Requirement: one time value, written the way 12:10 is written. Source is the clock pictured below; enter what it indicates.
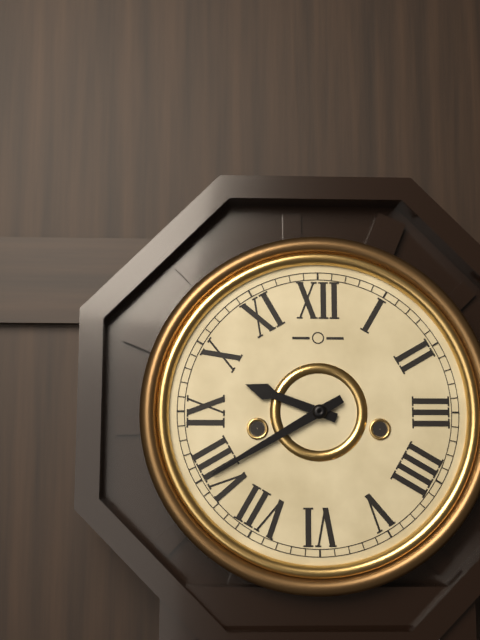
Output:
9:40
